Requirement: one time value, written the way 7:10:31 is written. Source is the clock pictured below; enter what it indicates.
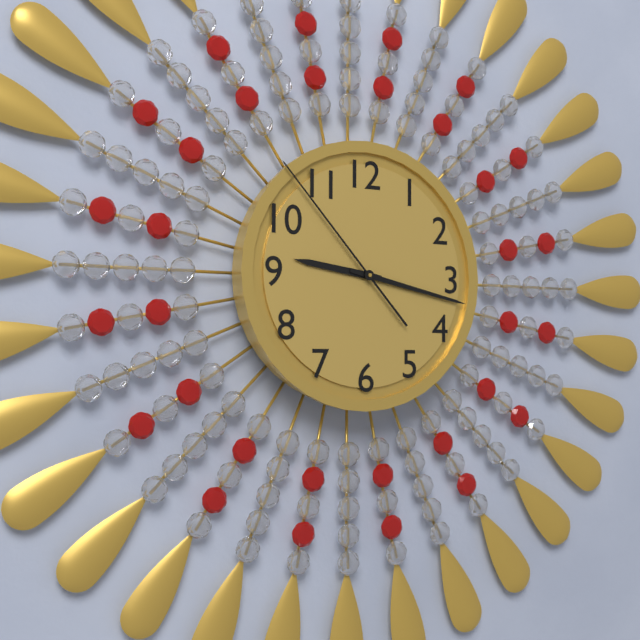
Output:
9:17:53
